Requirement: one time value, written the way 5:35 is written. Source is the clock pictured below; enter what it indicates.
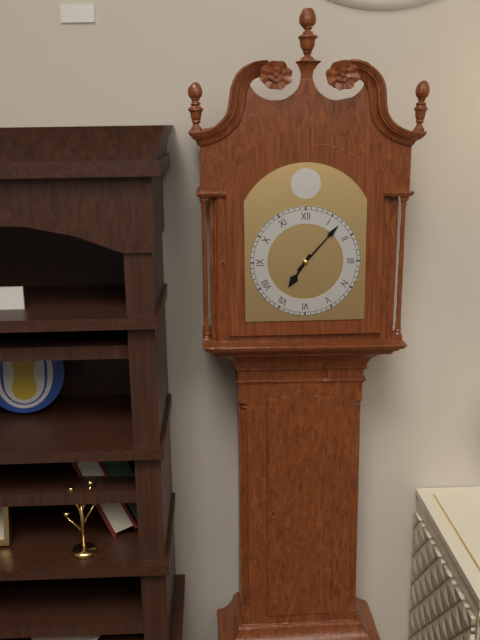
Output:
7:07
